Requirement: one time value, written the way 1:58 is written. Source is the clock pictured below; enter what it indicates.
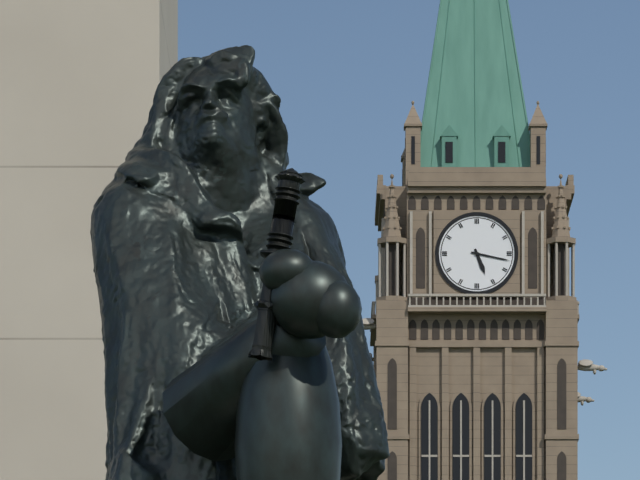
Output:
5:17
